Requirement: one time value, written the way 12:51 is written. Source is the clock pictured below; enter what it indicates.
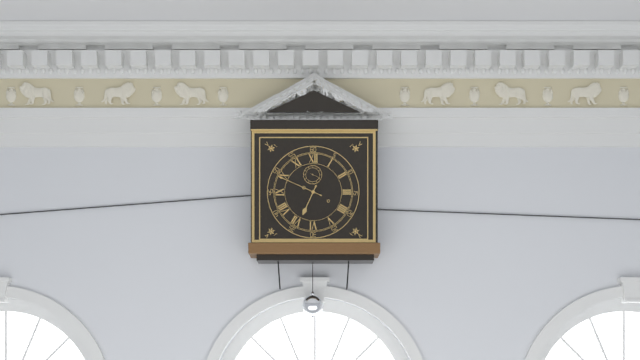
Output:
6:49
